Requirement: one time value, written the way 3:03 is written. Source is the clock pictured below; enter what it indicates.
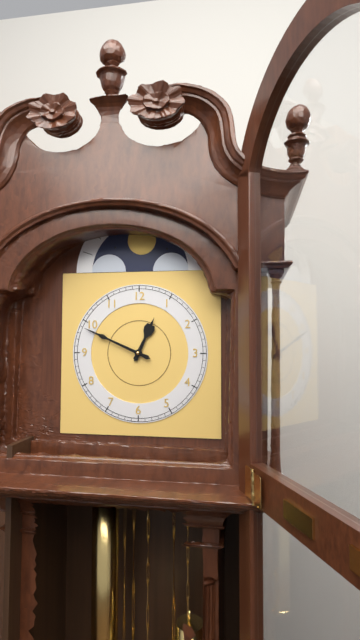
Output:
12:49
